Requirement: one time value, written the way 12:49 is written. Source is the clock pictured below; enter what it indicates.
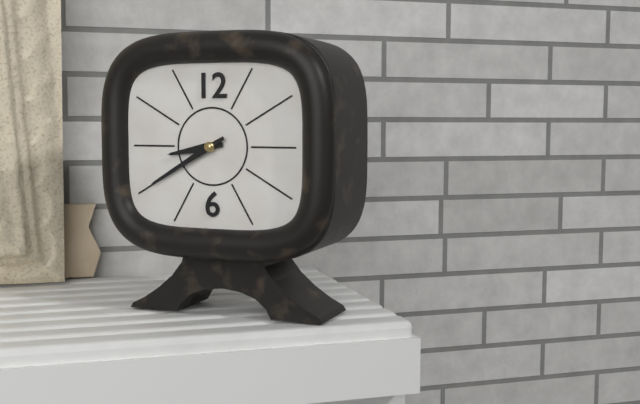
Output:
8:40
